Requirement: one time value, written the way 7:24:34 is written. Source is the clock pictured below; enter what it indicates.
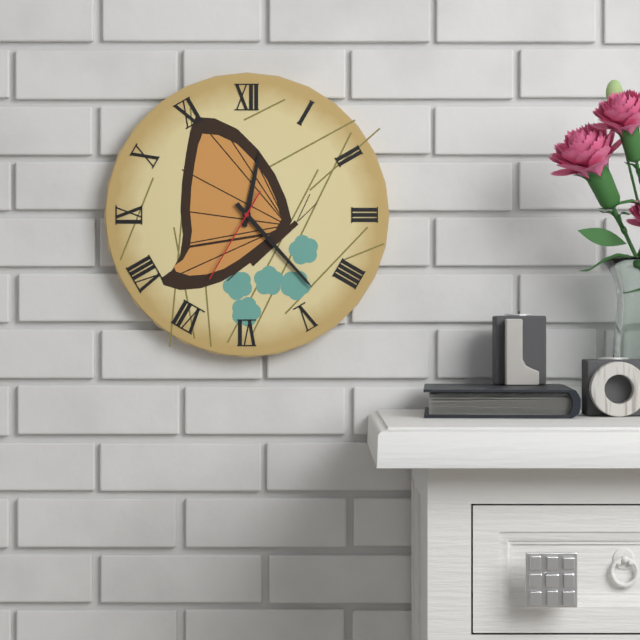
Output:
12:23:35
